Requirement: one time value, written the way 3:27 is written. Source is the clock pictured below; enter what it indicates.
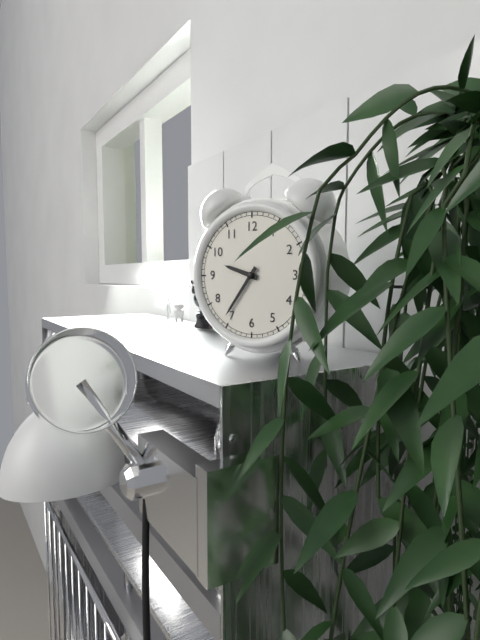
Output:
9:36
